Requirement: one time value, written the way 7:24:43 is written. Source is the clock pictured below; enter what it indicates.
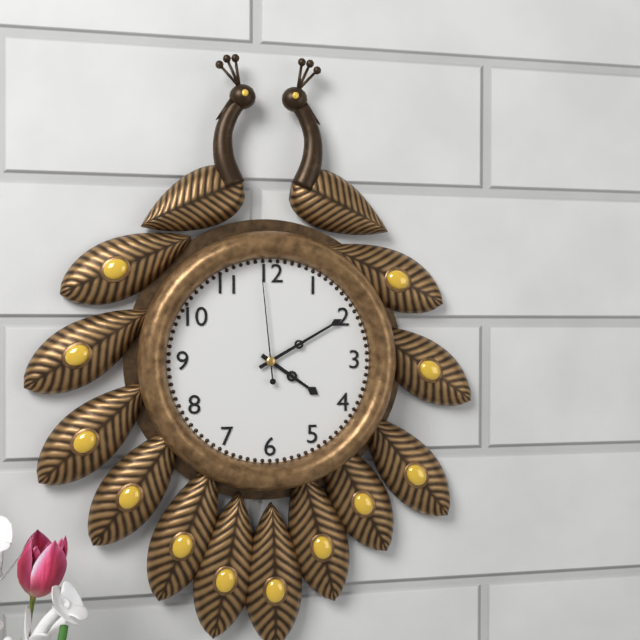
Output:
4:10:59
